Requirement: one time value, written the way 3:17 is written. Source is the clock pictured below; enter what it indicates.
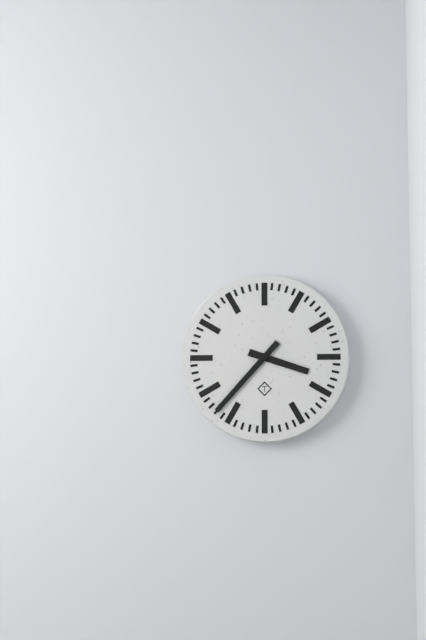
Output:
3:37
